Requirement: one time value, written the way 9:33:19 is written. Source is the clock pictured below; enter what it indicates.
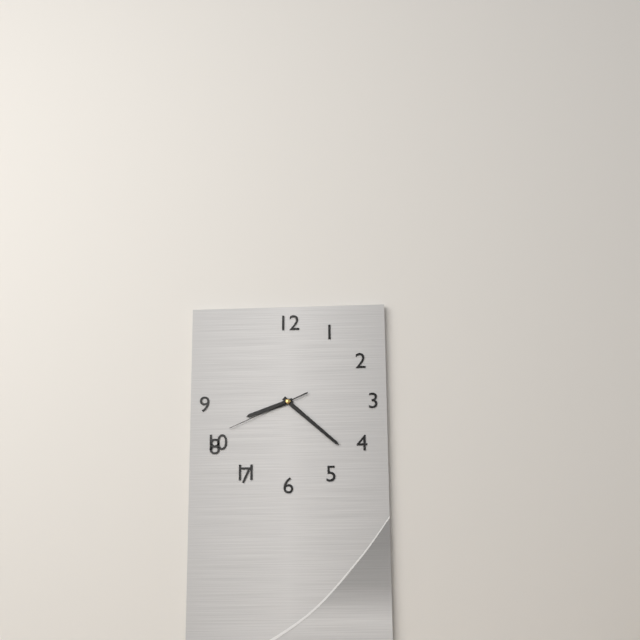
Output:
8:22:41
